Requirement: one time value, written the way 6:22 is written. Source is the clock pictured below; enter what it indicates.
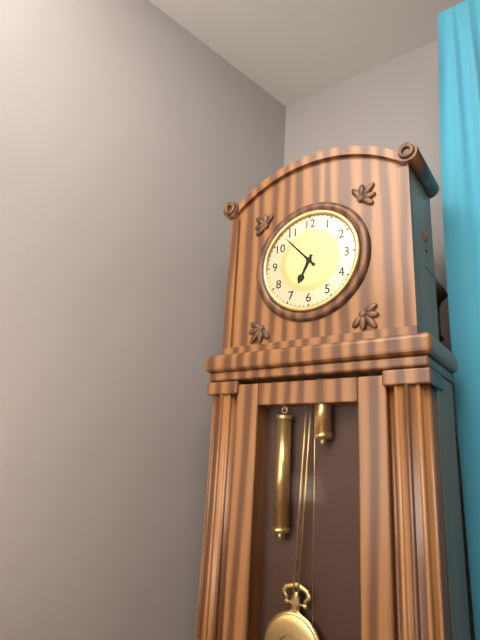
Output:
6:53
